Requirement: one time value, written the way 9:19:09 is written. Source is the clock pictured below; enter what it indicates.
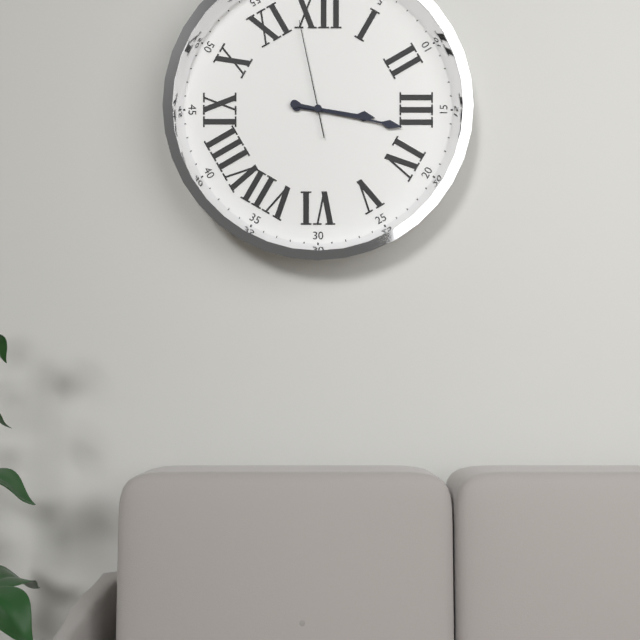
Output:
3:17:58
